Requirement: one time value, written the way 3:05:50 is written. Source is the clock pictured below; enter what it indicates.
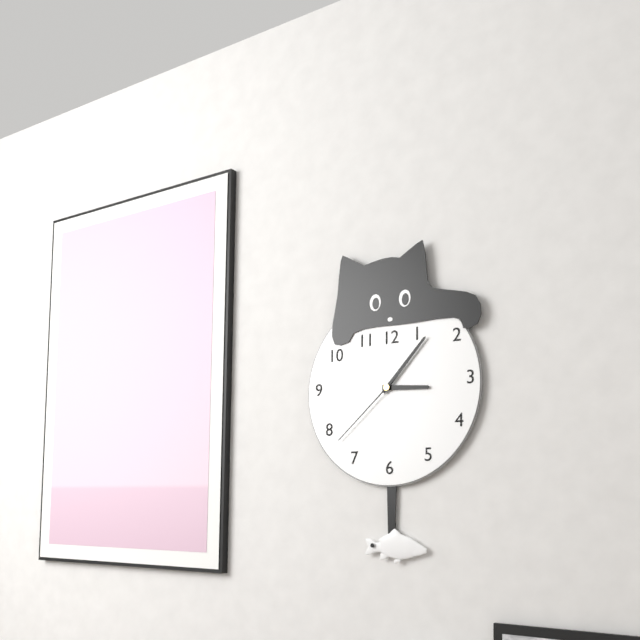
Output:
3:07:38
